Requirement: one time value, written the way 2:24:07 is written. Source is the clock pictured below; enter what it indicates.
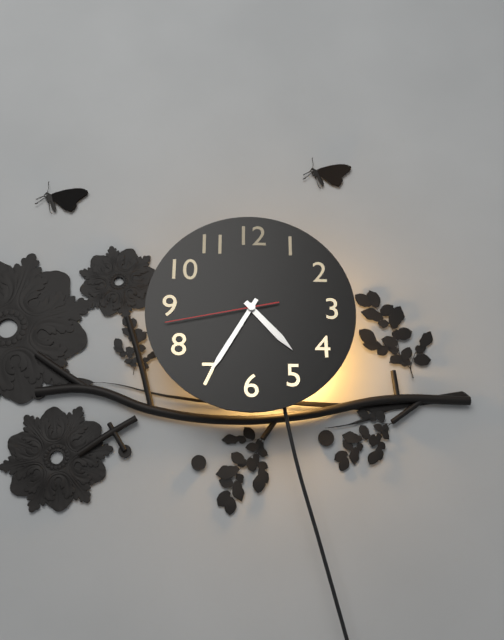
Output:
4:35:43
